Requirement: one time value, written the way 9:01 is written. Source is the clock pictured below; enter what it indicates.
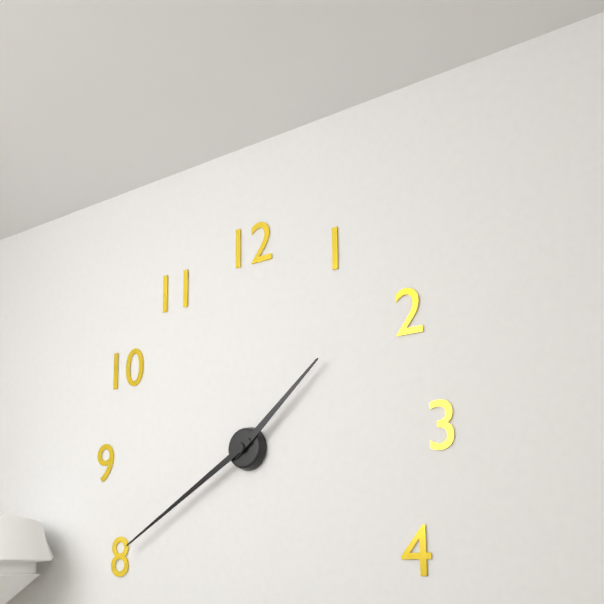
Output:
1:40
